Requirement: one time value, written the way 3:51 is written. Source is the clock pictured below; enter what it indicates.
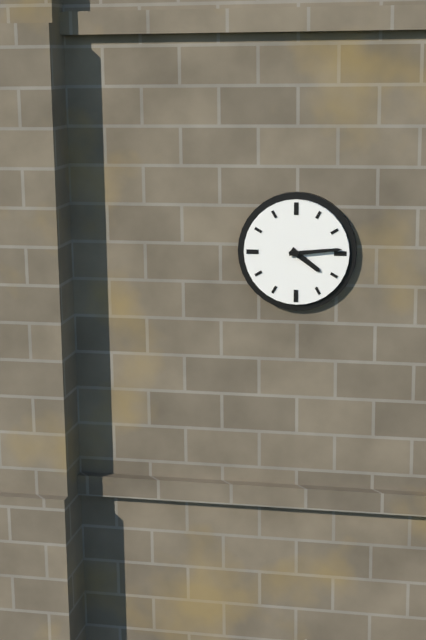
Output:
4:14
